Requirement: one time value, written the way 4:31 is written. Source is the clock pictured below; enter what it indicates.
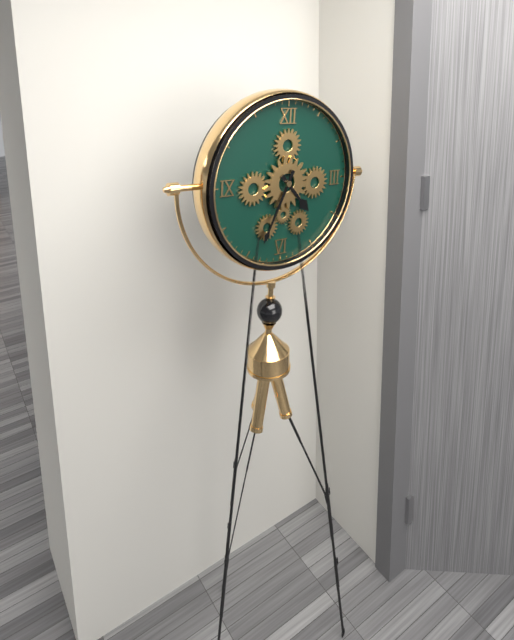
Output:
4:34
